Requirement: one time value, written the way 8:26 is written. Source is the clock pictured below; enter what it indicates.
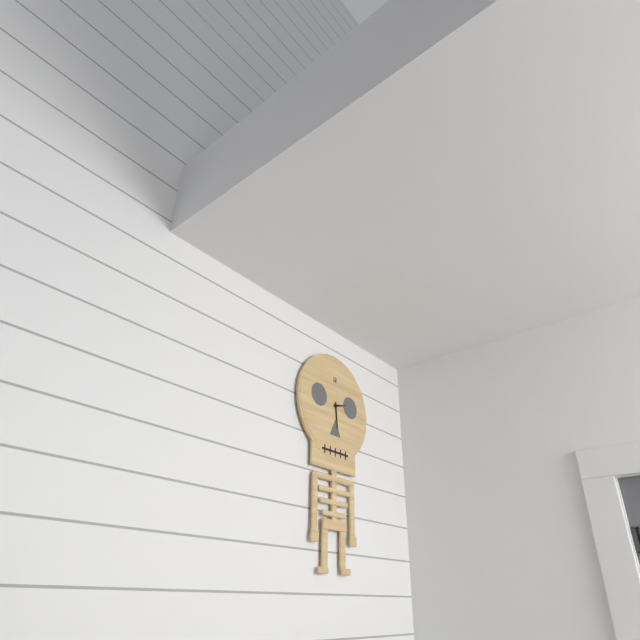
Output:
2:29
